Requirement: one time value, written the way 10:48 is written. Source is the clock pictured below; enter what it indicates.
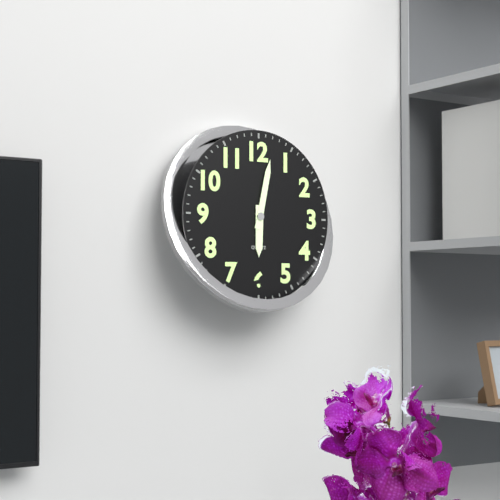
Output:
6:02
